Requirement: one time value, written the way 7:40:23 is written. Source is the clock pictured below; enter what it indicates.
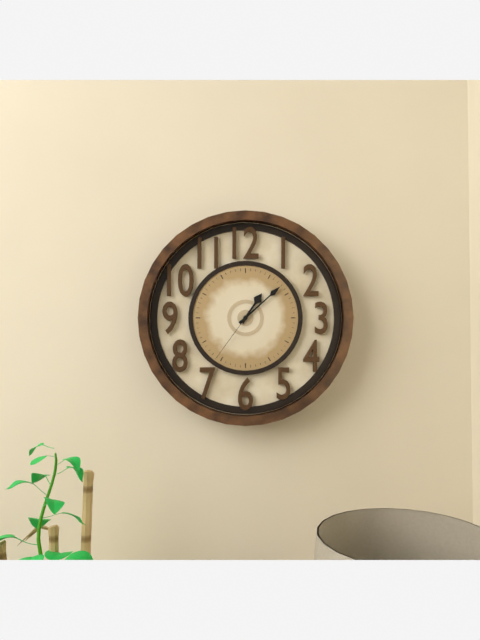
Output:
1:08:36
